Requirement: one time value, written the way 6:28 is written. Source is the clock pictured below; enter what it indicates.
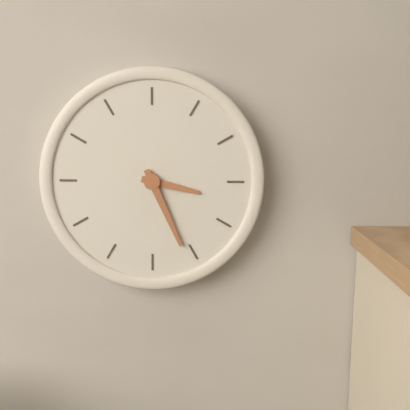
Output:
3:26
